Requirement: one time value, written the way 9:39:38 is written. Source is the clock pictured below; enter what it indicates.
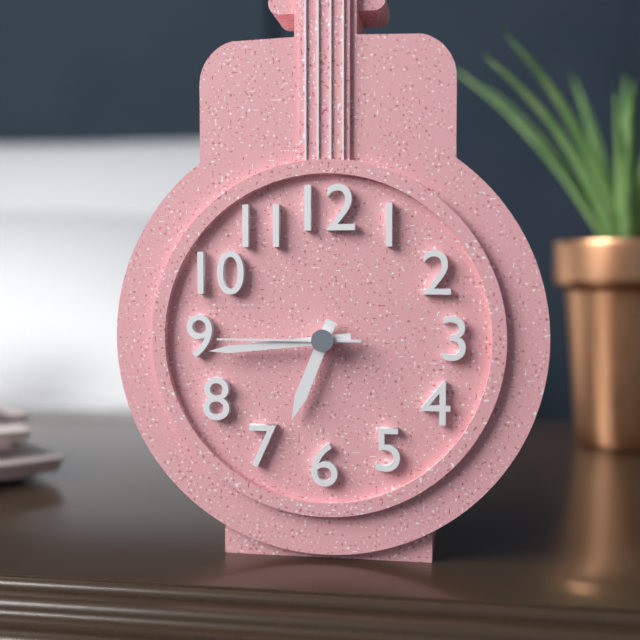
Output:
6:44:45
